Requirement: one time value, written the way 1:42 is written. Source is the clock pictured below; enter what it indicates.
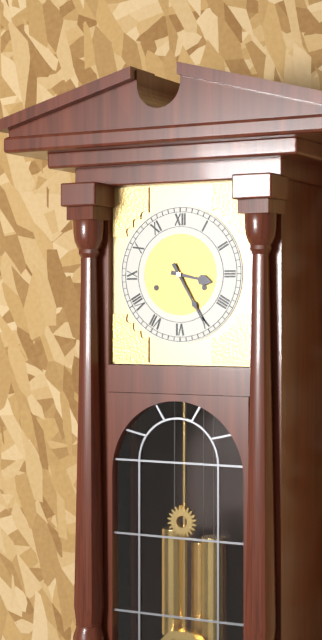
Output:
3:25
